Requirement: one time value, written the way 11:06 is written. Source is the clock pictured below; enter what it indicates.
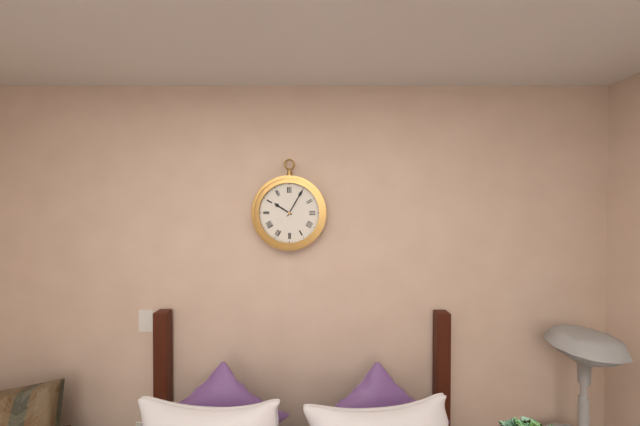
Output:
10:05
